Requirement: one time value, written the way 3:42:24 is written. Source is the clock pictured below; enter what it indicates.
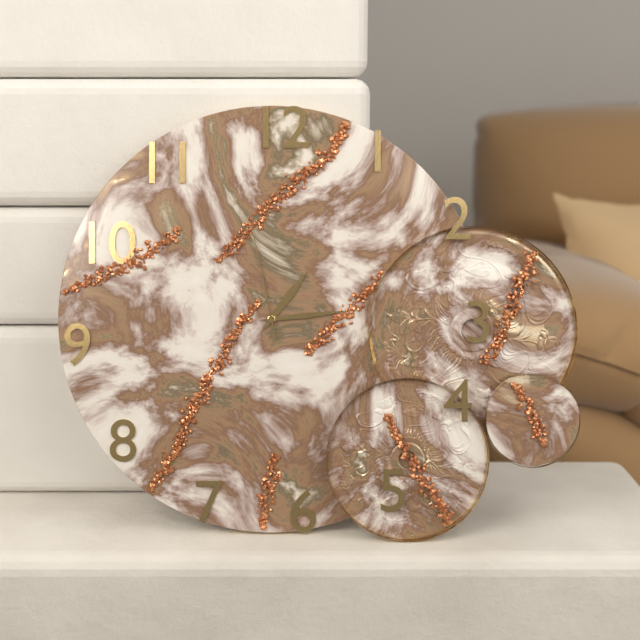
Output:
1:14:58
